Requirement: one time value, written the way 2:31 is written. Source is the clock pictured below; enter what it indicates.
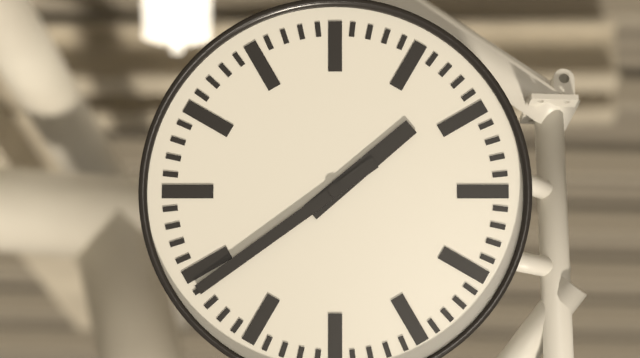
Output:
1:39
